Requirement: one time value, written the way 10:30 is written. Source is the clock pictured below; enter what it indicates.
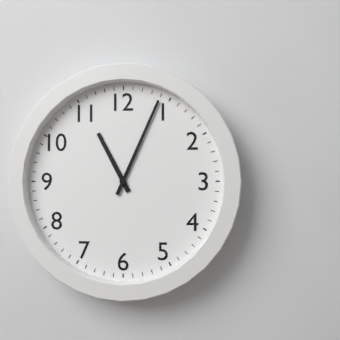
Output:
11:04
